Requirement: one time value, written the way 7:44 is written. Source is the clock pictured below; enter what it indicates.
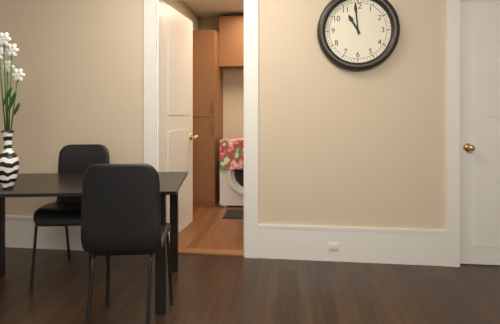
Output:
10:59
